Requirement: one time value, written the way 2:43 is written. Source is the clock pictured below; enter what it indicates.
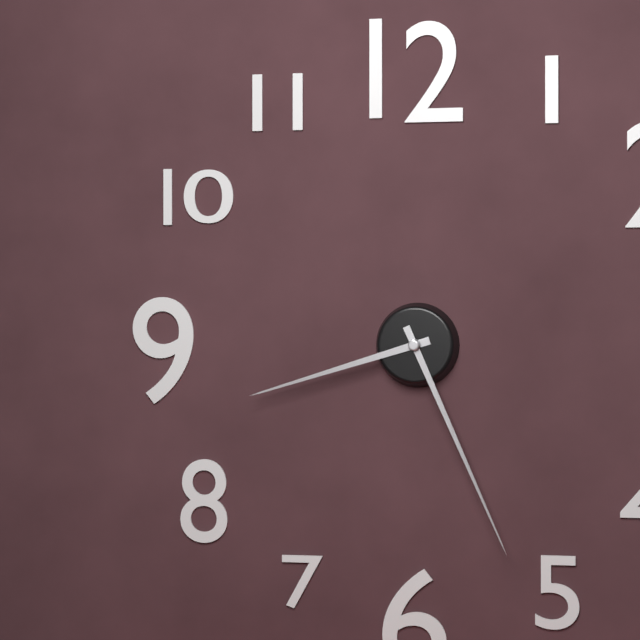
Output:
8:26
